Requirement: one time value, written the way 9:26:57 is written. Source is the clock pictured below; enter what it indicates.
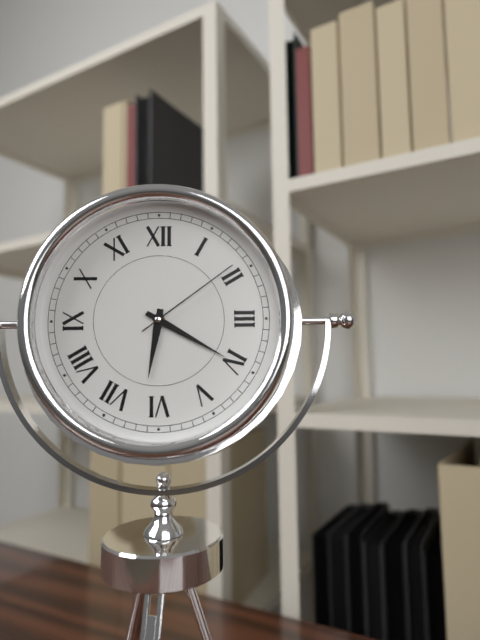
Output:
6:20:09
